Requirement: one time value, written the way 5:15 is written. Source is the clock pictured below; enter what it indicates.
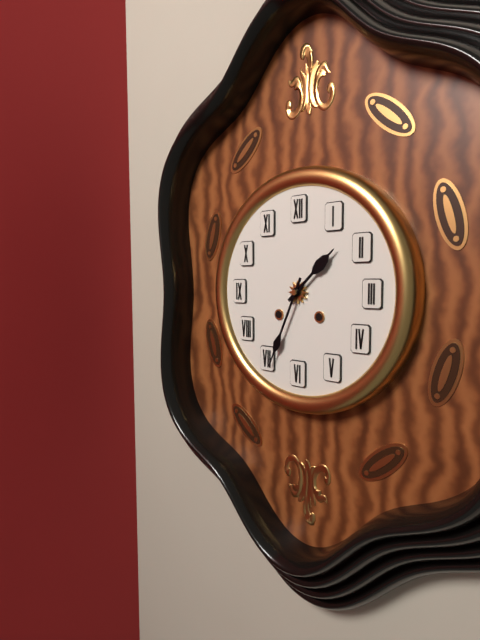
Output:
1:34
